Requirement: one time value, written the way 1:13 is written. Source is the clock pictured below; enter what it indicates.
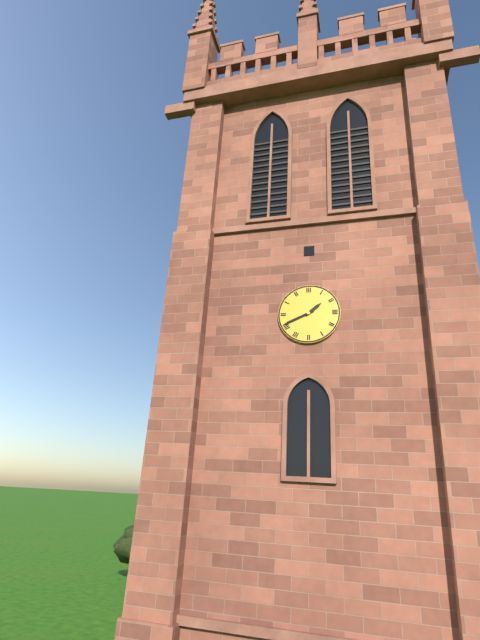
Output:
1:41
